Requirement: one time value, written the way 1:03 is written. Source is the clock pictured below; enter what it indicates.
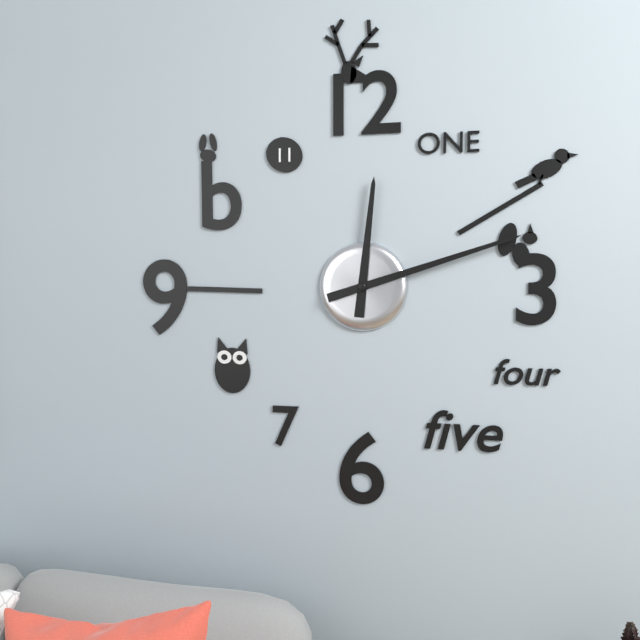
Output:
12:12
